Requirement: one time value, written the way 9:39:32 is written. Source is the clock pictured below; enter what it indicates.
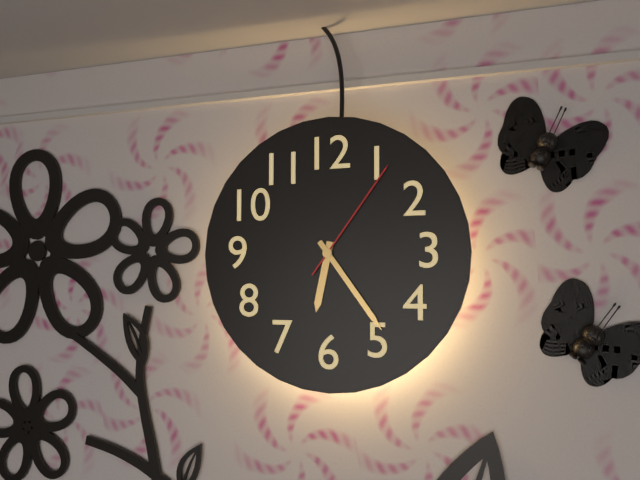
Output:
6:24:06
